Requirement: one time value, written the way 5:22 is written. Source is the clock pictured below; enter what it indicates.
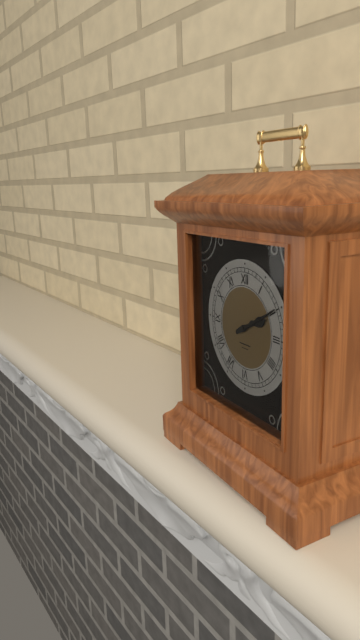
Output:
2:10
